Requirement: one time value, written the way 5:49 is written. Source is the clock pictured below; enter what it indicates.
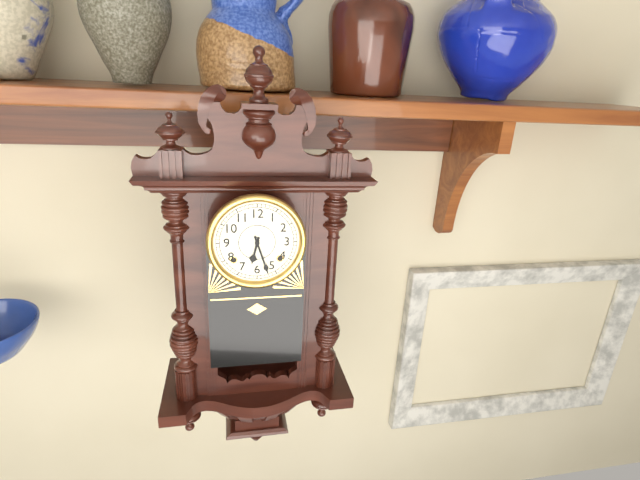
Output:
6:27
